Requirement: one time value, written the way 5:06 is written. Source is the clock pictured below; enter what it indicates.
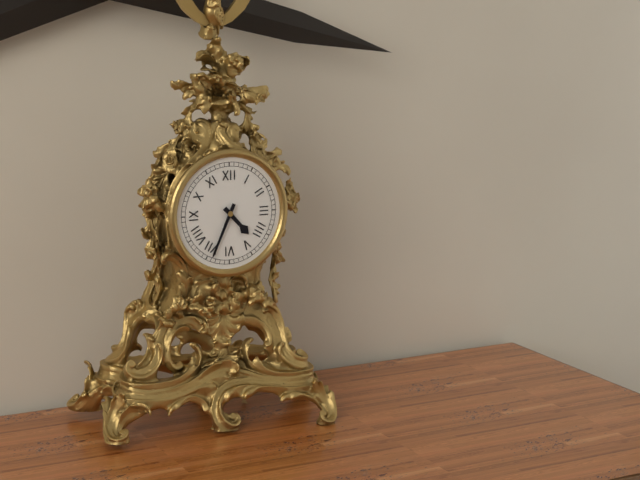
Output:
4:34
